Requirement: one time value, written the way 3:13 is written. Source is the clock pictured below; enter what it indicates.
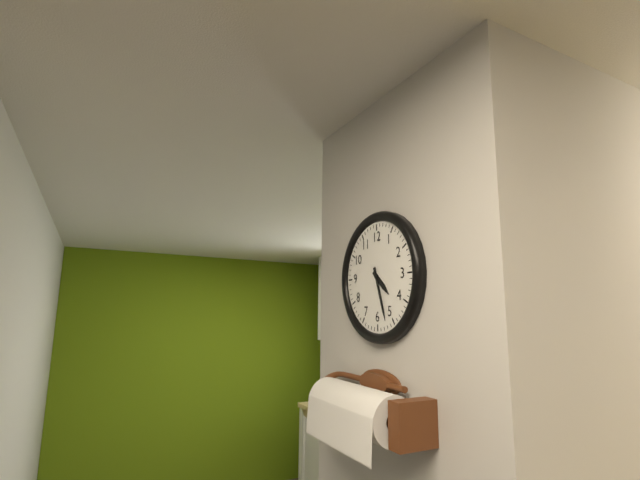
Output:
4:27
